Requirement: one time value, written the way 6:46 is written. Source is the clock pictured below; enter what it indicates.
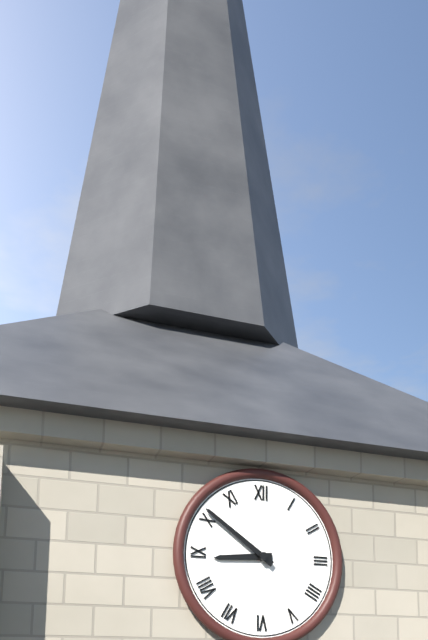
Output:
8:51
